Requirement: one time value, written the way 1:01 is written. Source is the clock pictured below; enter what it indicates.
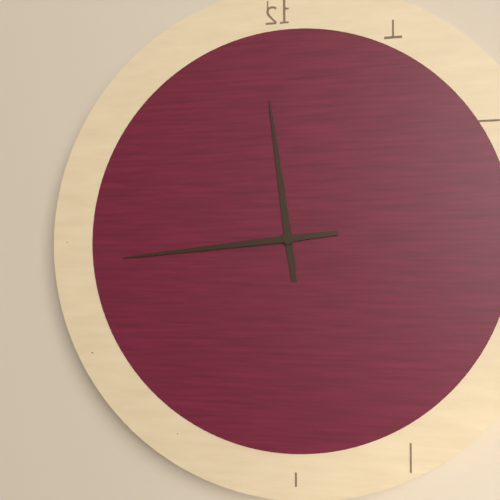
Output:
11:44
